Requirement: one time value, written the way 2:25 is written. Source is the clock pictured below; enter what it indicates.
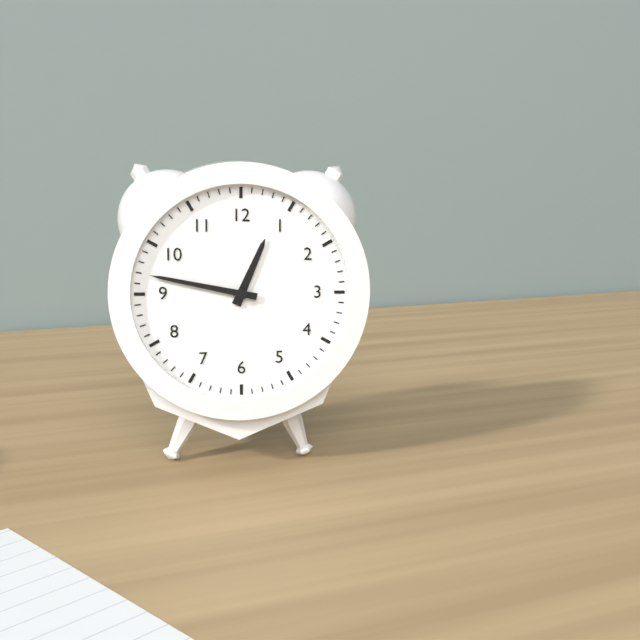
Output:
12:47
